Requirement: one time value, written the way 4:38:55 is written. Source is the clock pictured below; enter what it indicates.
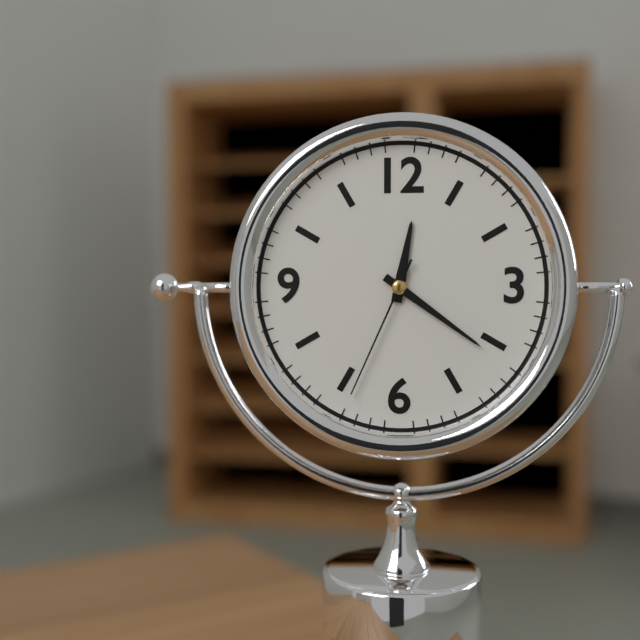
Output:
12:21:34
